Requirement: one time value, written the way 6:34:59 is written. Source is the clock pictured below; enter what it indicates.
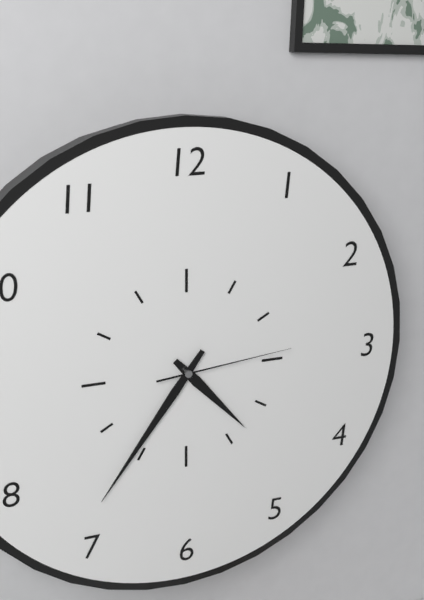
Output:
4:36:14
